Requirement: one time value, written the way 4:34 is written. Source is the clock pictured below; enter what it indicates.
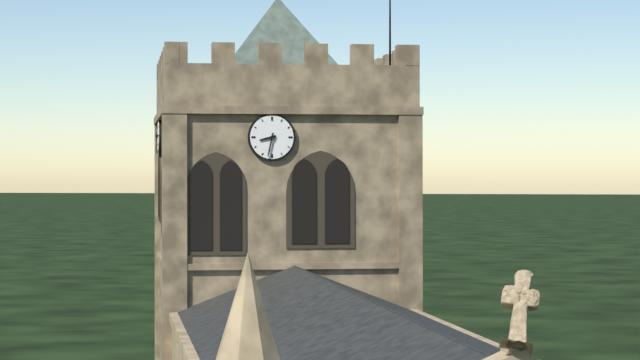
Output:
8:32
